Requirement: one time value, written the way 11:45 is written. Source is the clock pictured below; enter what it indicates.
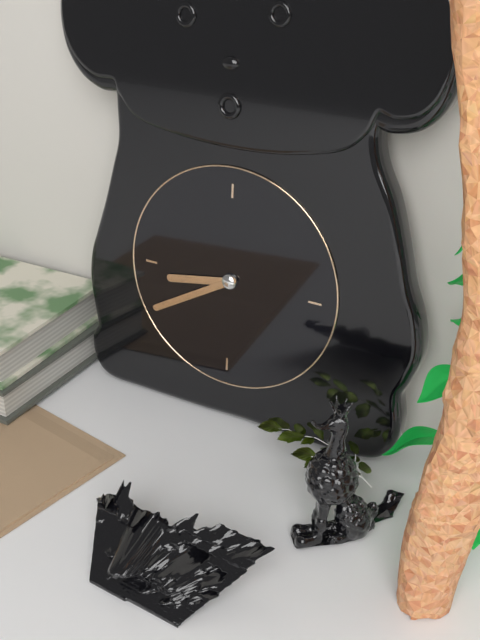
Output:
8:40
